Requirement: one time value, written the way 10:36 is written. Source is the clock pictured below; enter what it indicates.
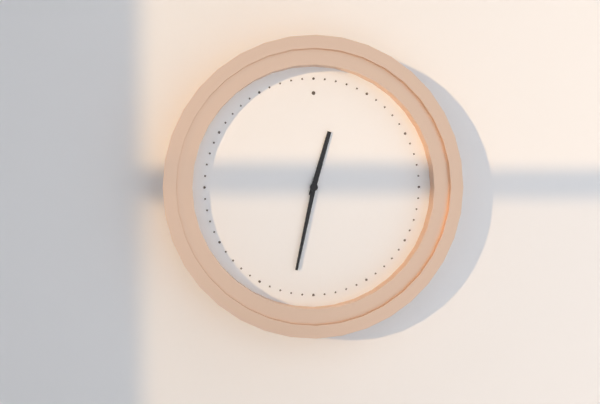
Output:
12:32
